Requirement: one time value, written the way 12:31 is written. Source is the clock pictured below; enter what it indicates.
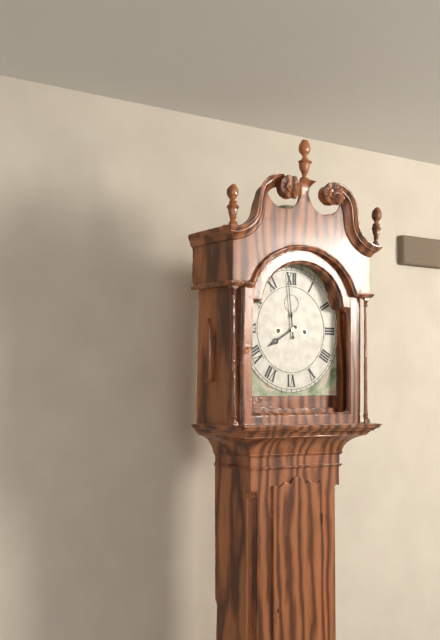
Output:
7:59
